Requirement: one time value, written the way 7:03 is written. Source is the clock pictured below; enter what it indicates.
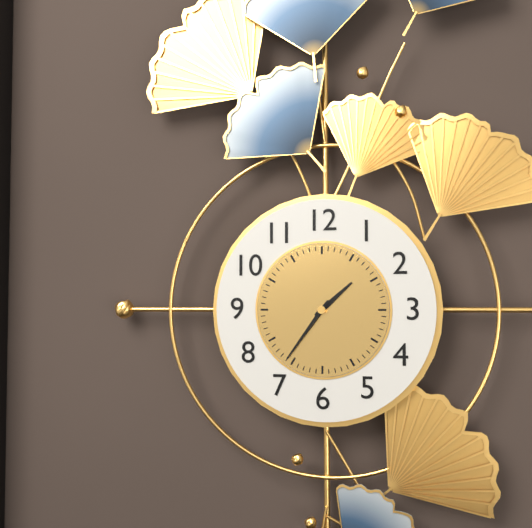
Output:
1:36
